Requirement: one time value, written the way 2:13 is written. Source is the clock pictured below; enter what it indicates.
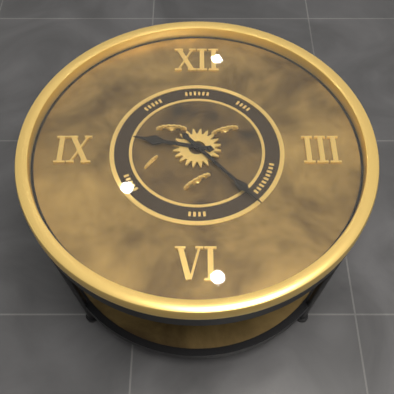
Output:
9:23
